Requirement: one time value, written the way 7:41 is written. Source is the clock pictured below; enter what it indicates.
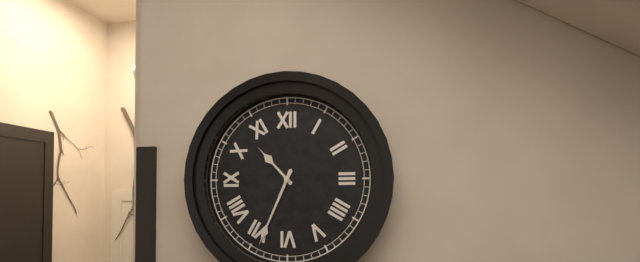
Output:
10:34
